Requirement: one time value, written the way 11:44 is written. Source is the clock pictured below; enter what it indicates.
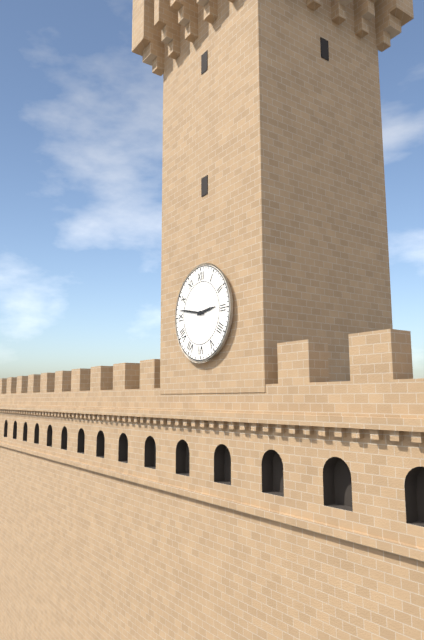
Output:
2:47
